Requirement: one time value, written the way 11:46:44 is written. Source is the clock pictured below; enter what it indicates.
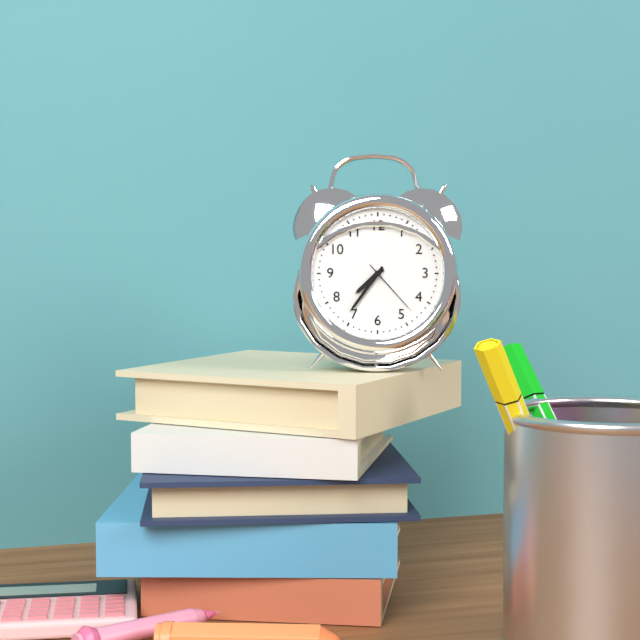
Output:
7:36:23
